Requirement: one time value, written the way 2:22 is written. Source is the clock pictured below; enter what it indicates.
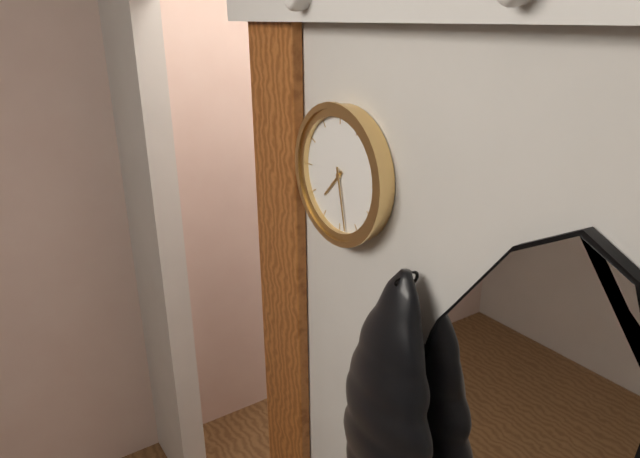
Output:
7:28
